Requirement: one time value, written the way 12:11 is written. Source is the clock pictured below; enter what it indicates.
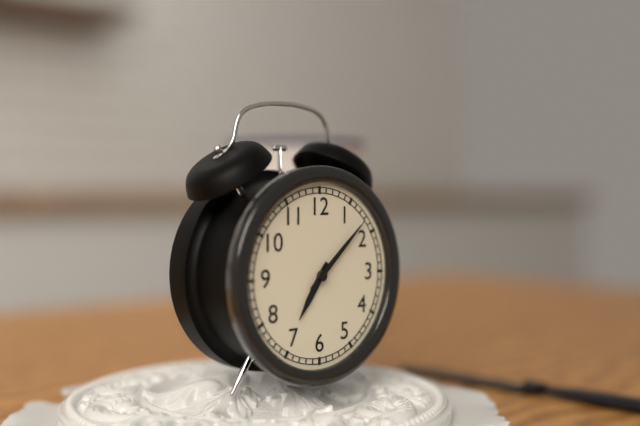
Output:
7:08
